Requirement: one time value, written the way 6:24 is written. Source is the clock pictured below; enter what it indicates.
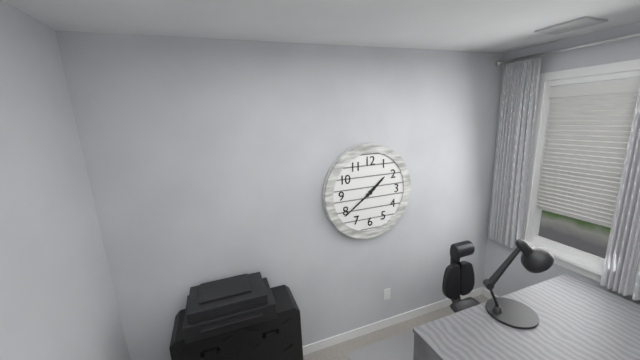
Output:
1:39
